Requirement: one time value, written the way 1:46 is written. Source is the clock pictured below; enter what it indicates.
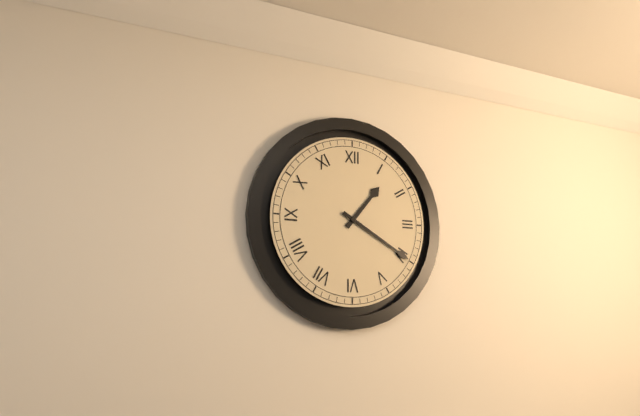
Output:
1:20
